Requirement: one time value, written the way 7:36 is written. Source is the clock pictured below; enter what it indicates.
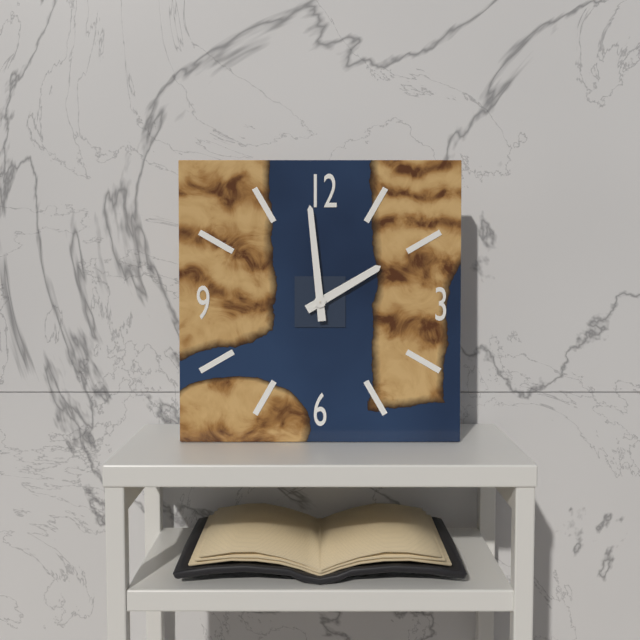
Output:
1:59
